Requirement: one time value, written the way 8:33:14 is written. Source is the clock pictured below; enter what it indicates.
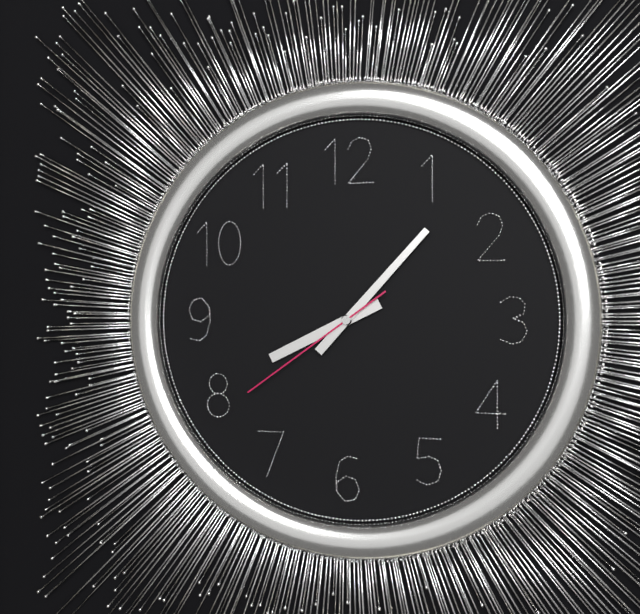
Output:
8:07:39
